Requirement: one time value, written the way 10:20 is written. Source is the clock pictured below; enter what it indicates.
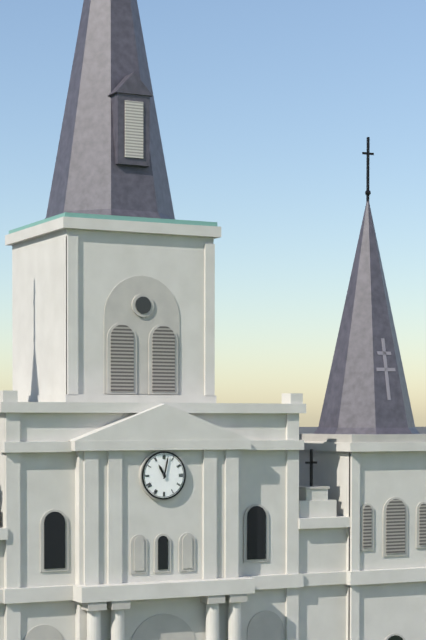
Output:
11:02
